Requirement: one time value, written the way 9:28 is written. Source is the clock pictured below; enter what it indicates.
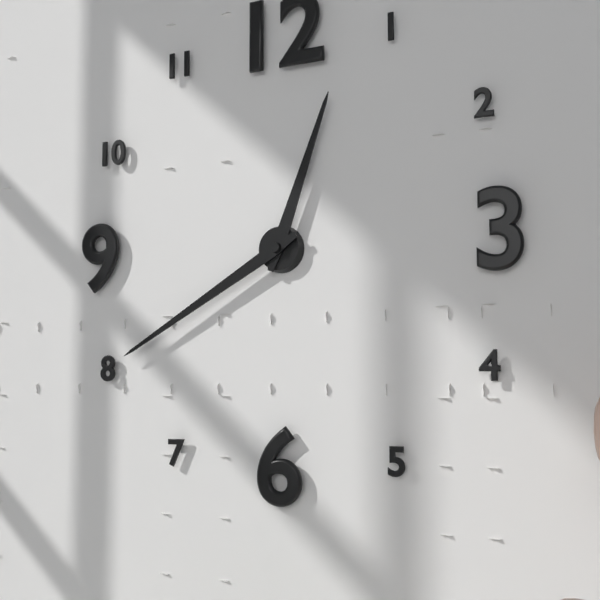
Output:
12:40
